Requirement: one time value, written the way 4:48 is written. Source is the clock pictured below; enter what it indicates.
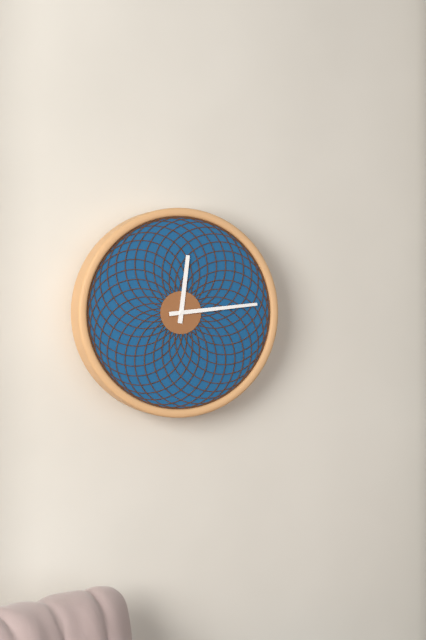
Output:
12:14
